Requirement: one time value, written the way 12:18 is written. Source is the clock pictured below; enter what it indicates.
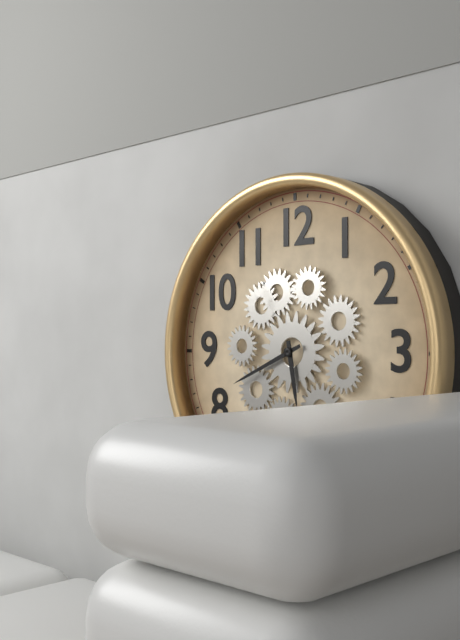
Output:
5:41
